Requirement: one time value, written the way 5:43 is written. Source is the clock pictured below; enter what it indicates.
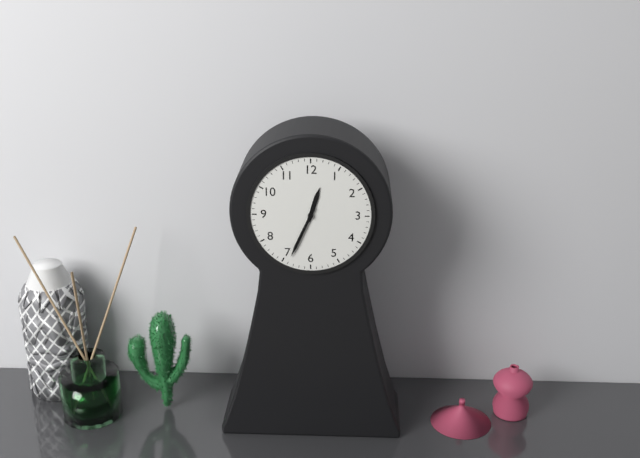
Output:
12:34
